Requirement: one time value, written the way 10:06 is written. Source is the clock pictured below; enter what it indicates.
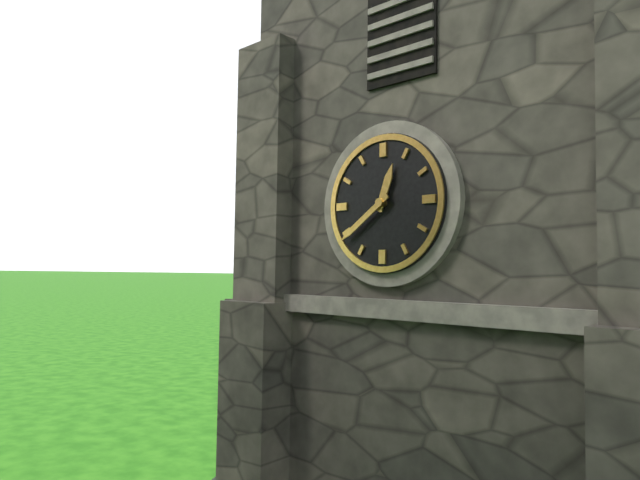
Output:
12:39
